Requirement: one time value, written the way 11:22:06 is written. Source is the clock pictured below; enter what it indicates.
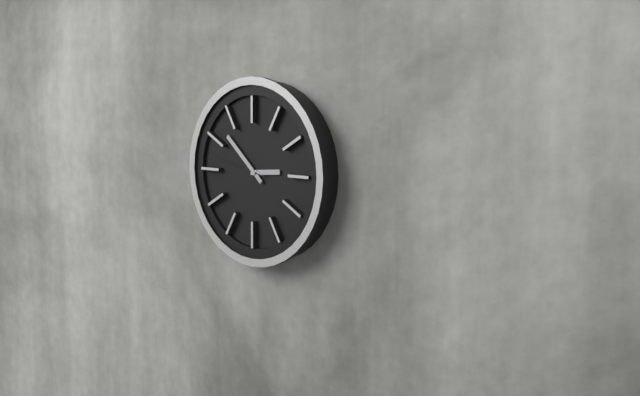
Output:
2:52:47
